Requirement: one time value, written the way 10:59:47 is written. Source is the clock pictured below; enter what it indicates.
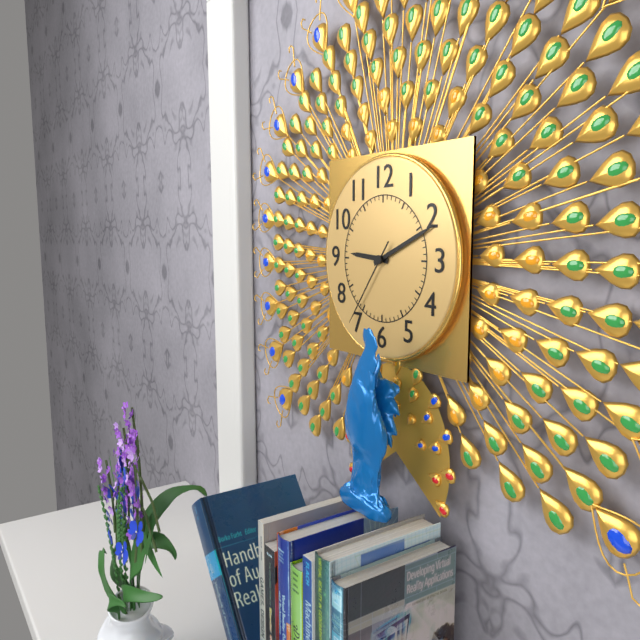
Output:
9:11:36
